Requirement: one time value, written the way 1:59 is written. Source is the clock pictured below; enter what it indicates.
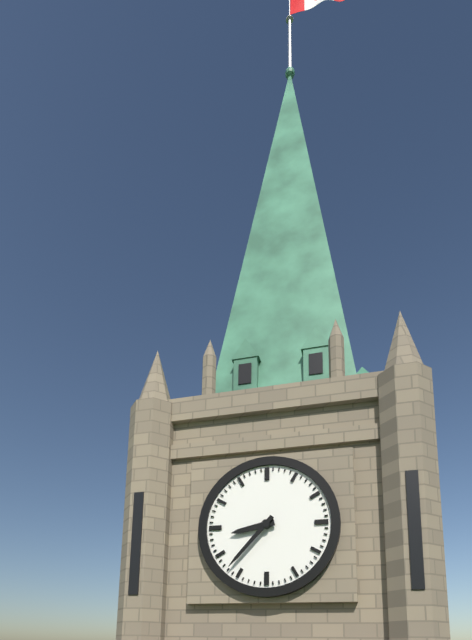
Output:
8:37
